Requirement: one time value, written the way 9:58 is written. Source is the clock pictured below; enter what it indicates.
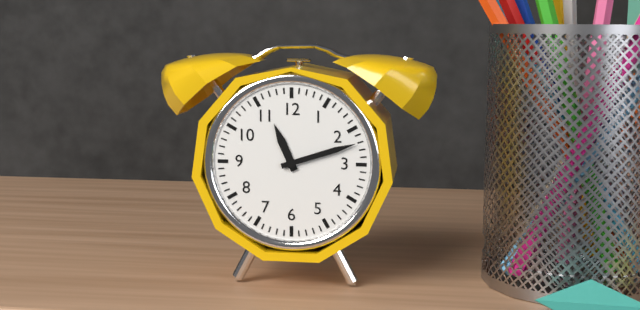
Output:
11:12
